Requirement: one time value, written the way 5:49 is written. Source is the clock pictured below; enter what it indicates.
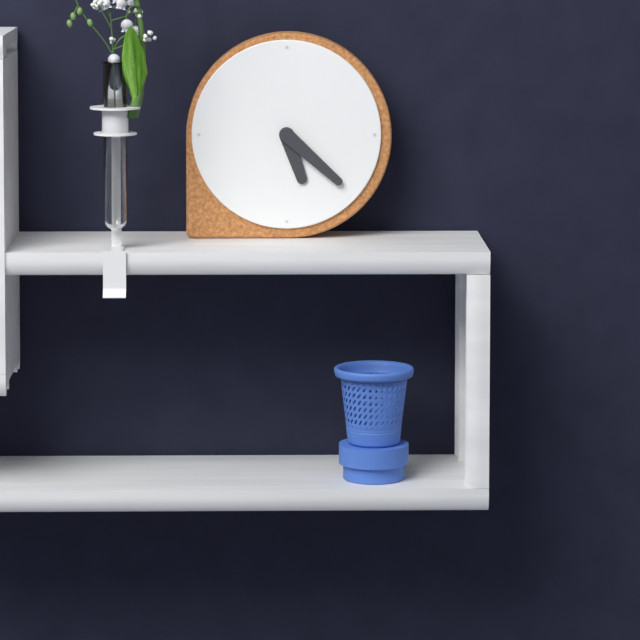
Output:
5:22
